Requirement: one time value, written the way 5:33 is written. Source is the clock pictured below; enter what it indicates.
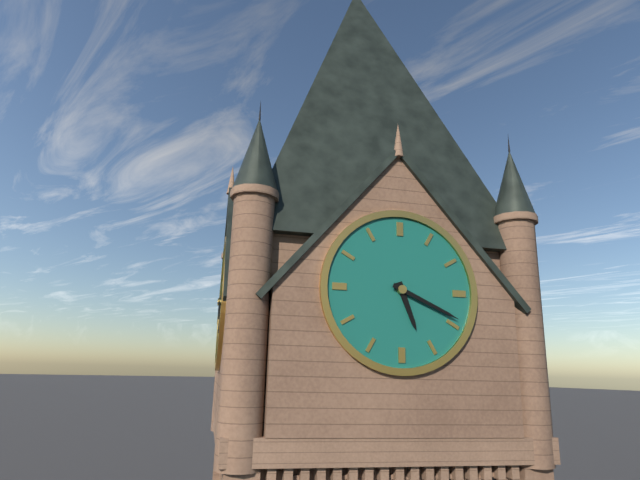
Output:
5:19
